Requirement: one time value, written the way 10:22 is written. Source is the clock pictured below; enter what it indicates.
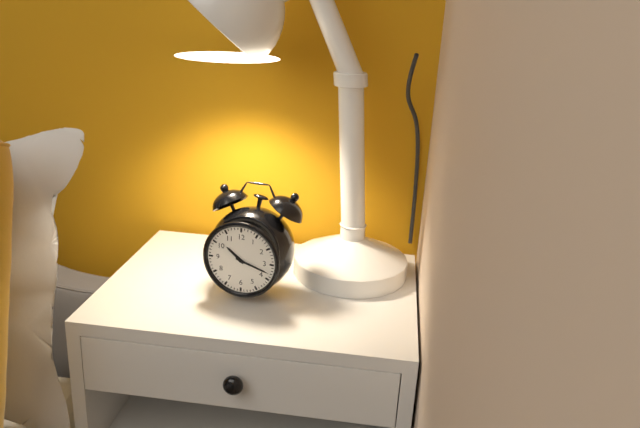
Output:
10:18
